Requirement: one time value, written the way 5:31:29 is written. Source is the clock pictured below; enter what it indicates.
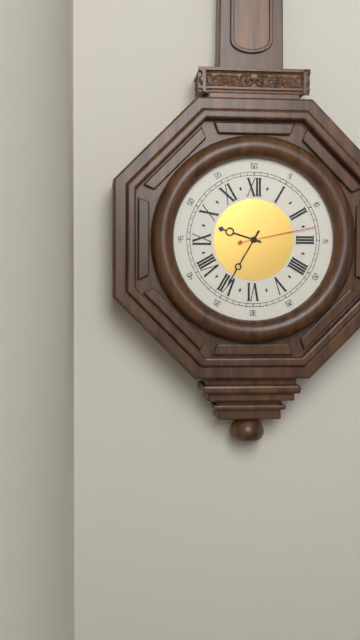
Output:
9:35:13
